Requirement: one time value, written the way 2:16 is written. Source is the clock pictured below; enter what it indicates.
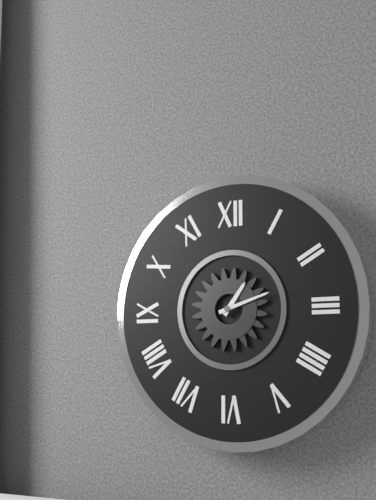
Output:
1:12
